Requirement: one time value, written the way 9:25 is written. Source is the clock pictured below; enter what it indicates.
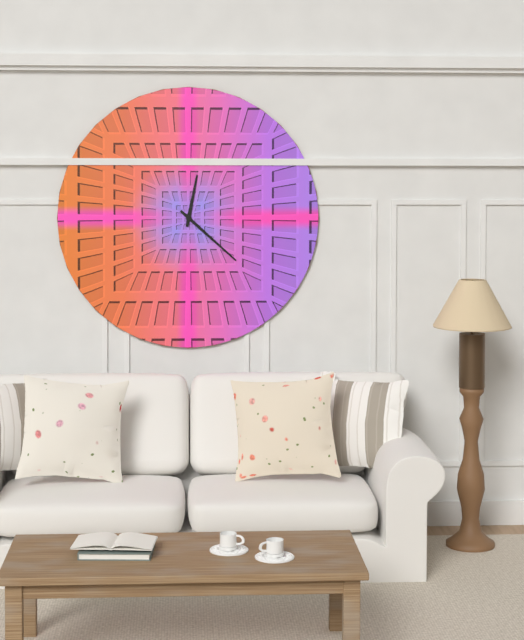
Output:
12:22
